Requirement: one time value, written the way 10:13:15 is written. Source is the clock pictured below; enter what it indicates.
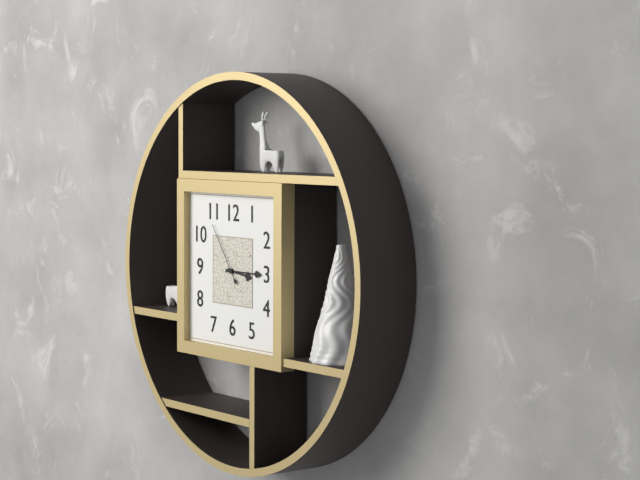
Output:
3:15:54
